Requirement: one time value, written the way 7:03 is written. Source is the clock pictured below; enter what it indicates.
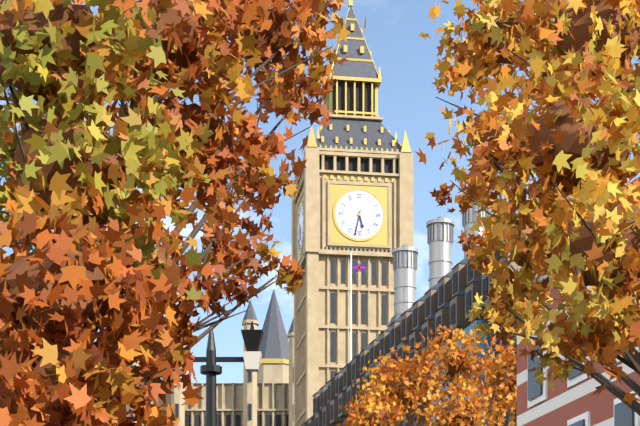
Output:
5:32
